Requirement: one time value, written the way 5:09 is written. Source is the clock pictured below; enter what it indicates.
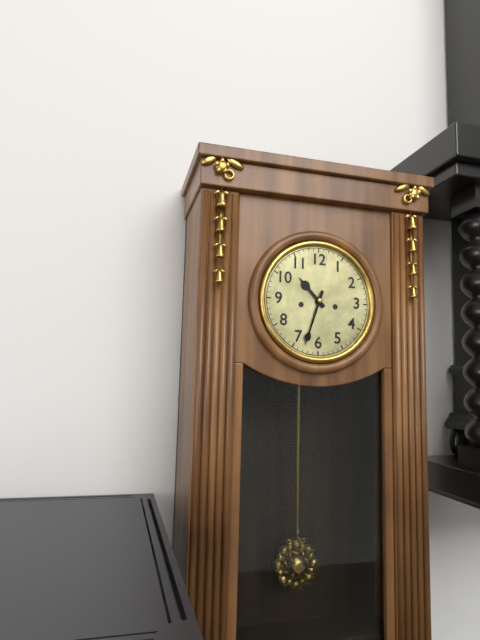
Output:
10:33
